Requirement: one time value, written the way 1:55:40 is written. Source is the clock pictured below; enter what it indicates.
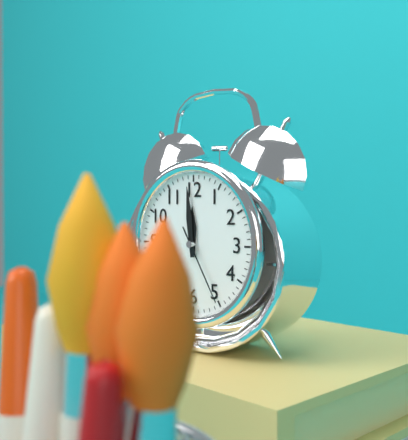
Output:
11:59:25
